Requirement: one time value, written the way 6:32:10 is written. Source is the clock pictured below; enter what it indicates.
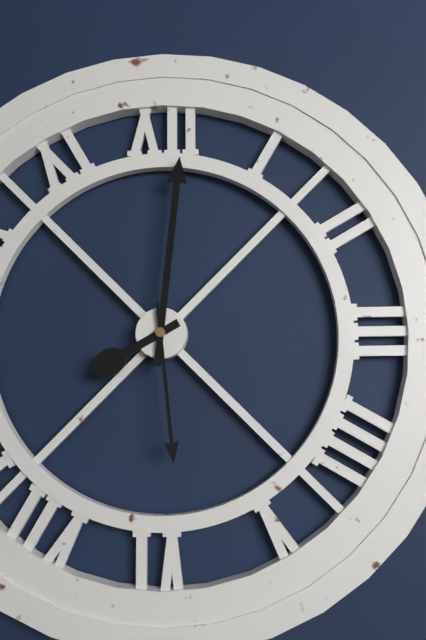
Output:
8:01:29
